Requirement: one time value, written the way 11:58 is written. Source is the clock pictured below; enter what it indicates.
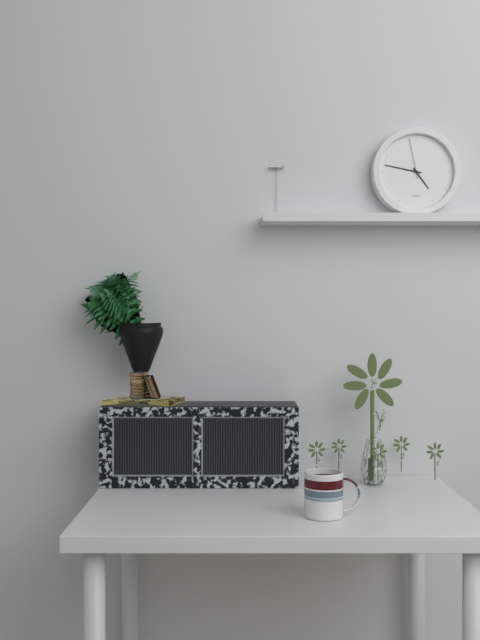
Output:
4:47
